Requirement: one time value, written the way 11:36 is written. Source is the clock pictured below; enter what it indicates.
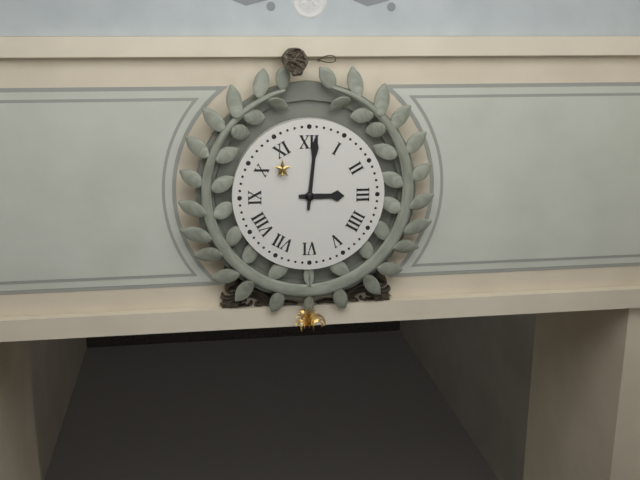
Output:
3:01
